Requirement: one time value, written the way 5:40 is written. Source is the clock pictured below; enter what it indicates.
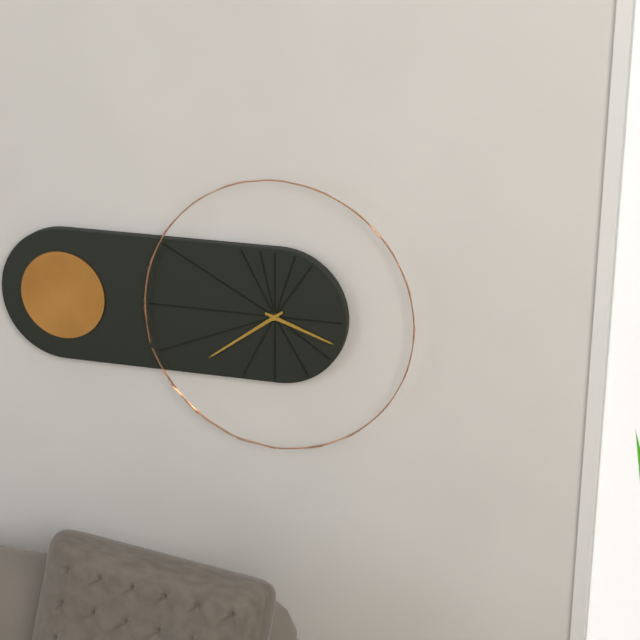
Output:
3:39
